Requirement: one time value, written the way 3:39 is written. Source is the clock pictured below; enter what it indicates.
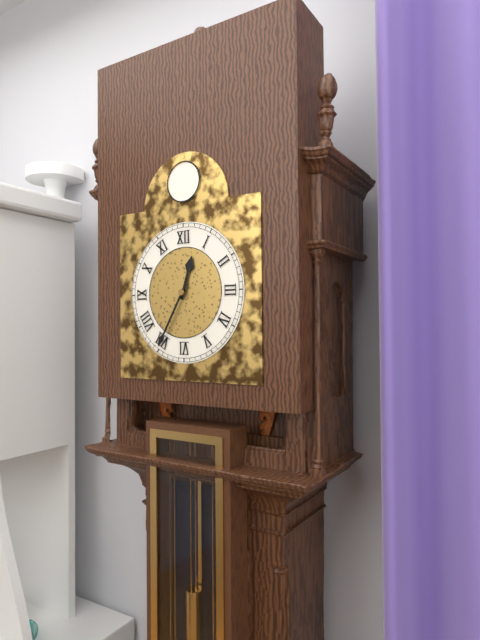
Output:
12:35
